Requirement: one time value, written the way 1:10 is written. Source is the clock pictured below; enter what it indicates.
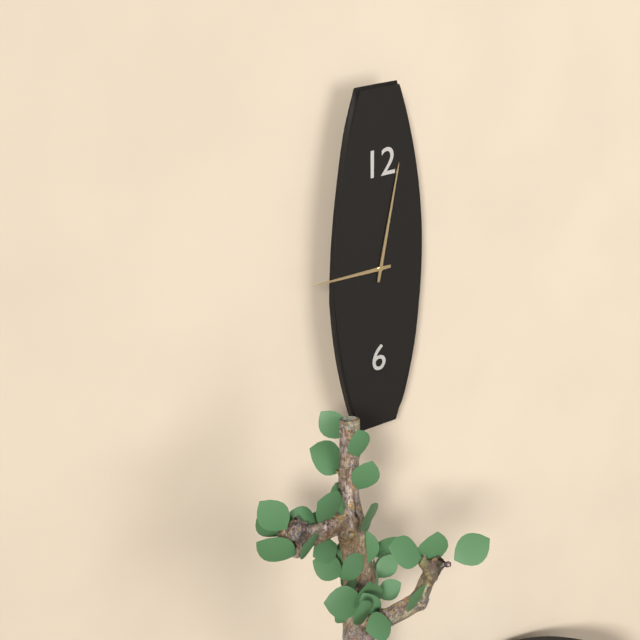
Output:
9:02
